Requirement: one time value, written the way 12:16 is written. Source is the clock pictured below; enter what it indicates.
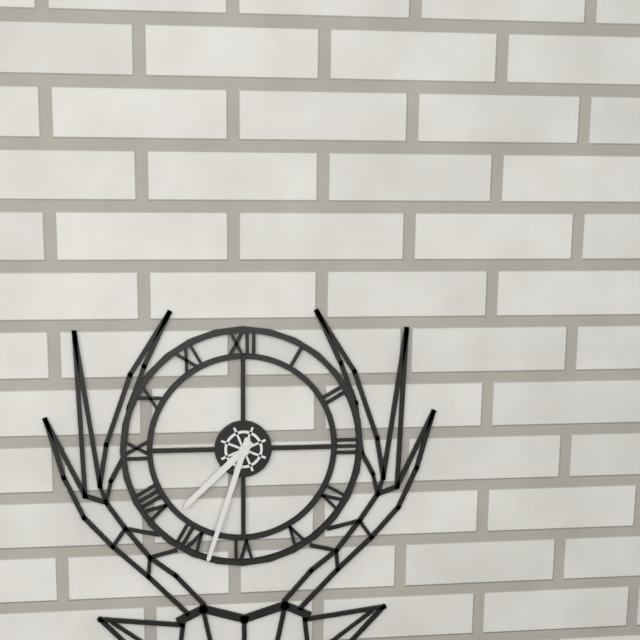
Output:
7:33
